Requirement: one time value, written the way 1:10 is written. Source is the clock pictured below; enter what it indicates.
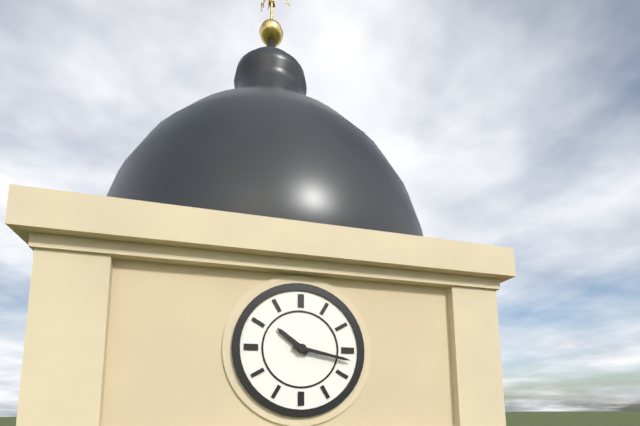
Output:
10:17
